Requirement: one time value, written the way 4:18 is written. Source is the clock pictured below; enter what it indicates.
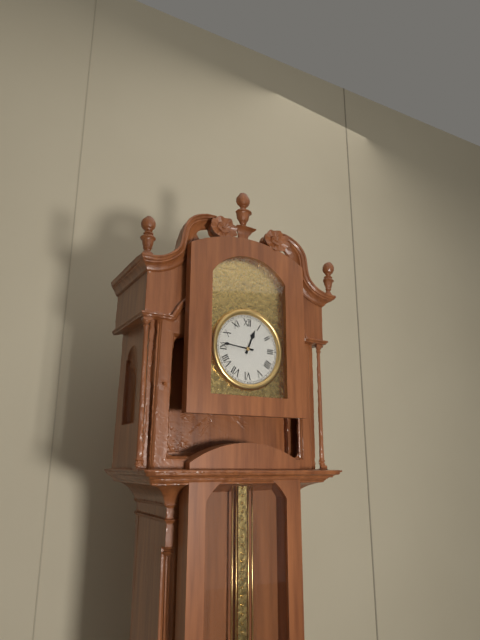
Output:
12:46
